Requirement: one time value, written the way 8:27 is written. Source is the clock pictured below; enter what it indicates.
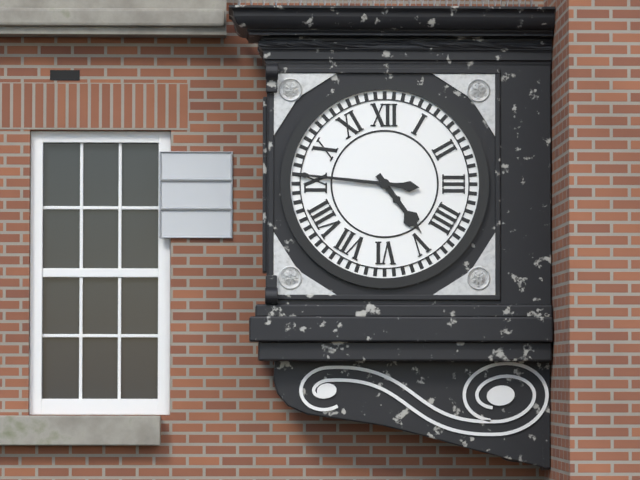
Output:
4:46
